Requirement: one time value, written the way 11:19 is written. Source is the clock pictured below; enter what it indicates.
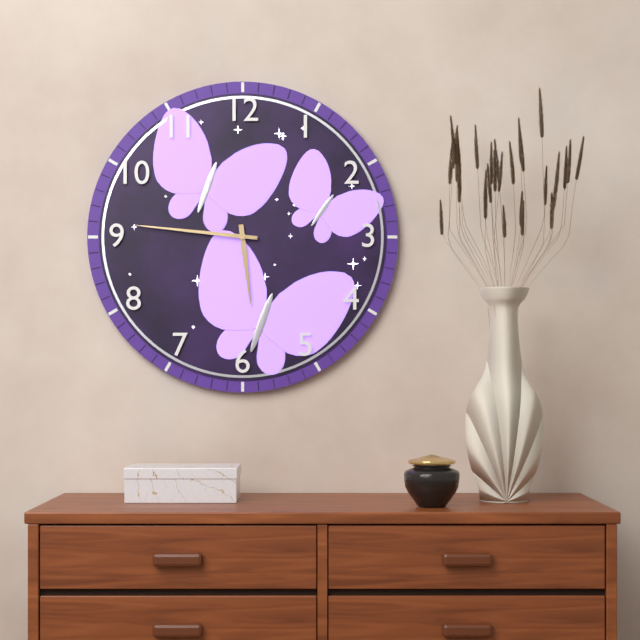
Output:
5:46
